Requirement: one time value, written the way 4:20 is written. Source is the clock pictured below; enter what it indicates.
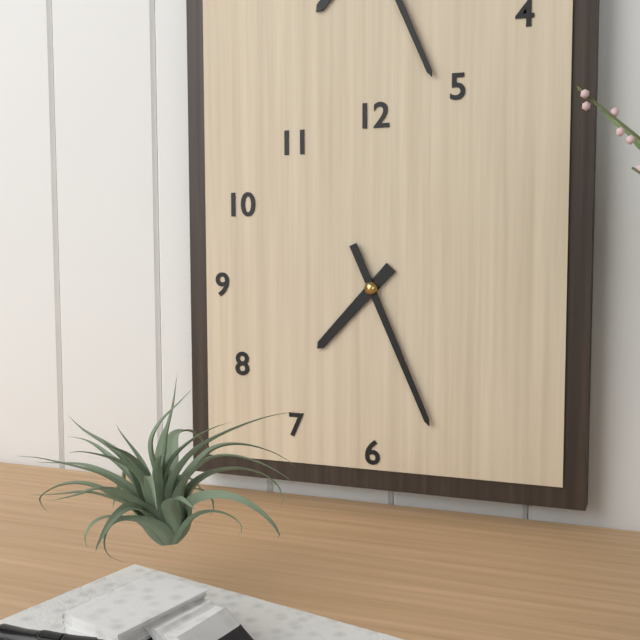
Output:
7:26
